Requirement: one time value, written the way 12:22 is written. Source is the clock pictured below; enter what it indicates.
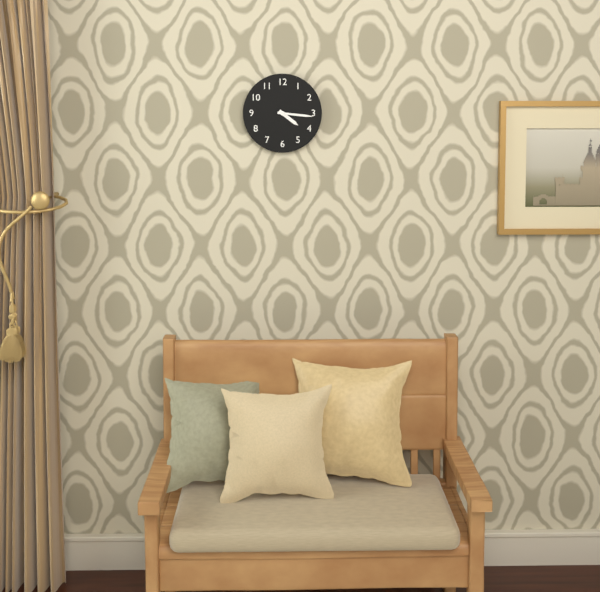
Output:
4:16
